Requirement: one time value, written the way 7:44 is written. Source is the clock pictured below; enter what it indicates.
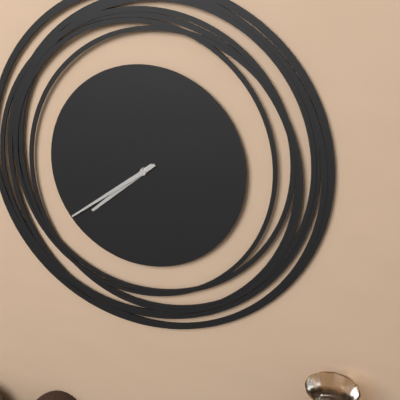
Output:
7:39
